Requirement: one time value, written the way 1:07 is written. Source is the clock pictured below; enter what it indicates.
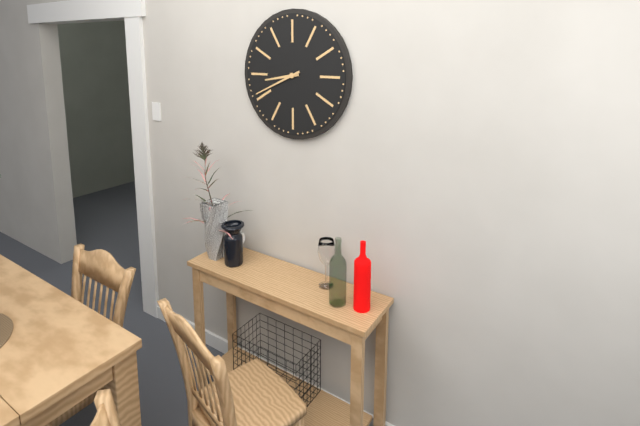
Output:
8:41
